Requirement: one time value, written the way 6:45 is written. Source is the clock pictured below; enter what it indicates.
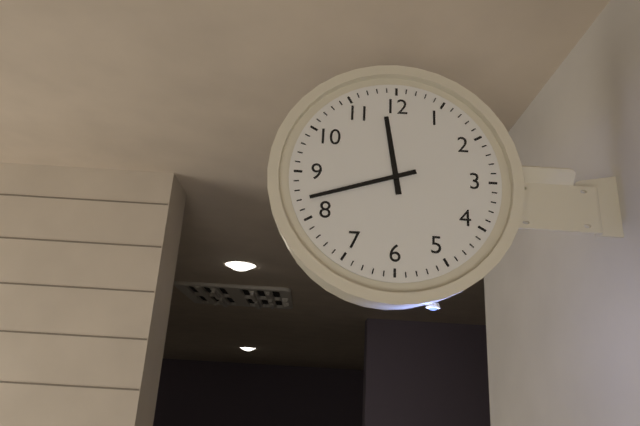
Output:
11:42
